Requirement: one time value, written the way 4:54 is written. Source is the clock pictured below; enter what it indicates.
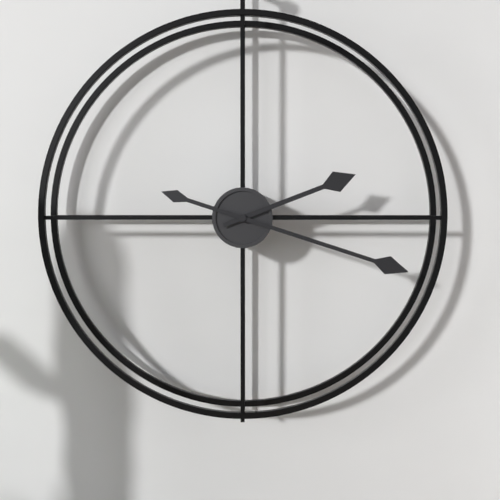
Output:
2:18
